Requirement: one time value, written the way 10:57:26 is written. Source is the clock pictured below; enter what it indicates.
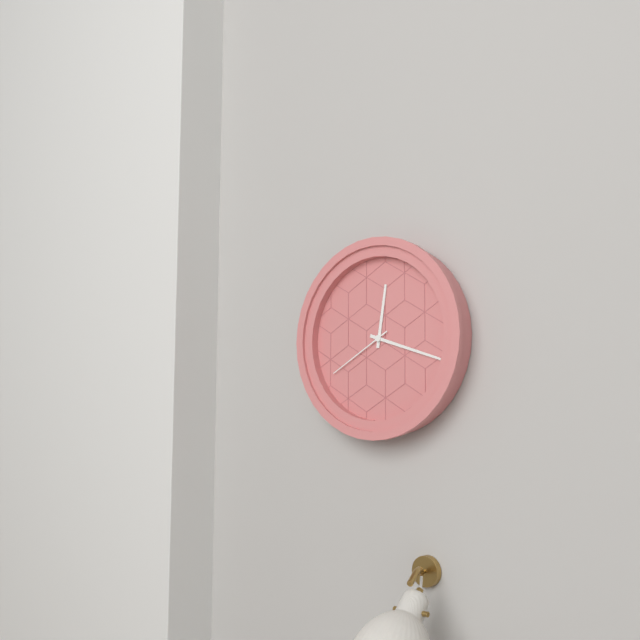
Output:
12:18:40
